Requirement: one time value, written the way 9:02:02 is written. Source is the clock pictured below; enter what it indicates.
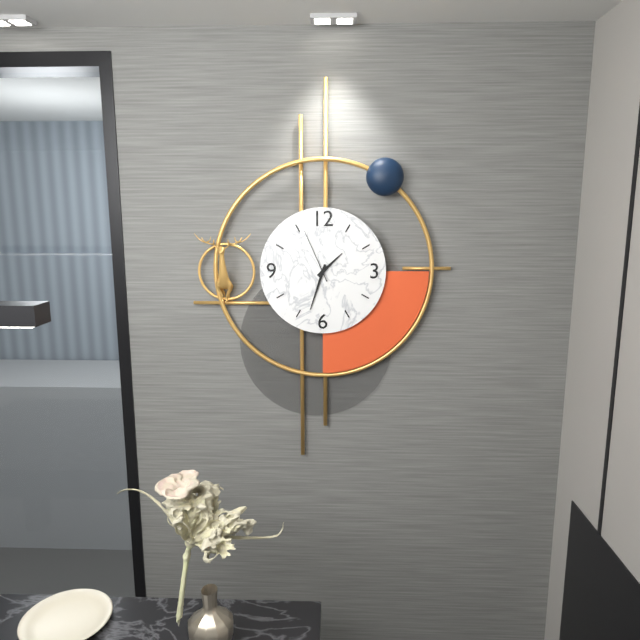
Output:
1:33:56
